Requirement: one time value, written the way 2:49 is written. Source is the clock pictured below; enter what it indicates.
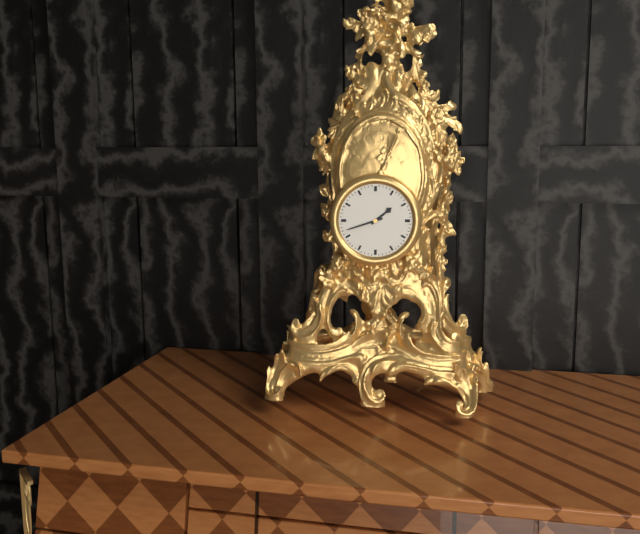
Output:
1:42
